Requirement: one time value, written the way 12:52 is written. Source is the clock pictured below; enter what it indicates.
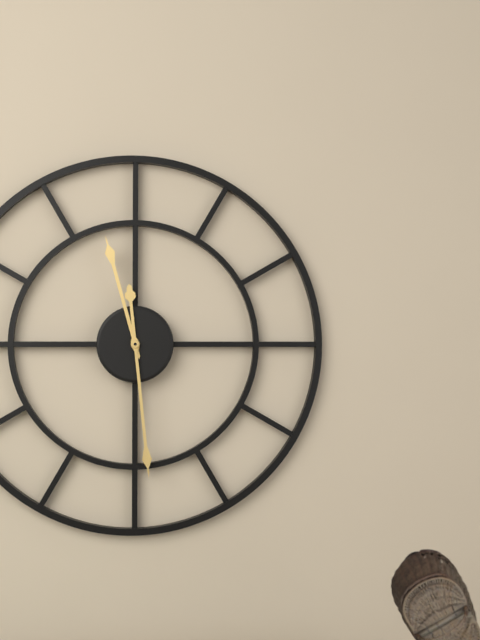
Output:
11:29
